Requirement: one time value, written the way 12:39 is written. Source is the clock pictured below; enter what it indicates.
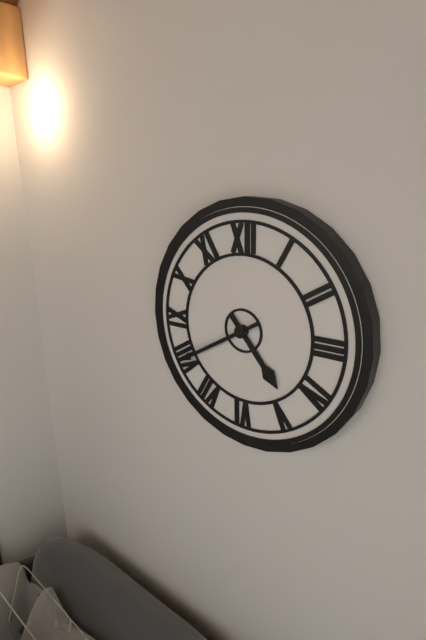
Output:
4:40
